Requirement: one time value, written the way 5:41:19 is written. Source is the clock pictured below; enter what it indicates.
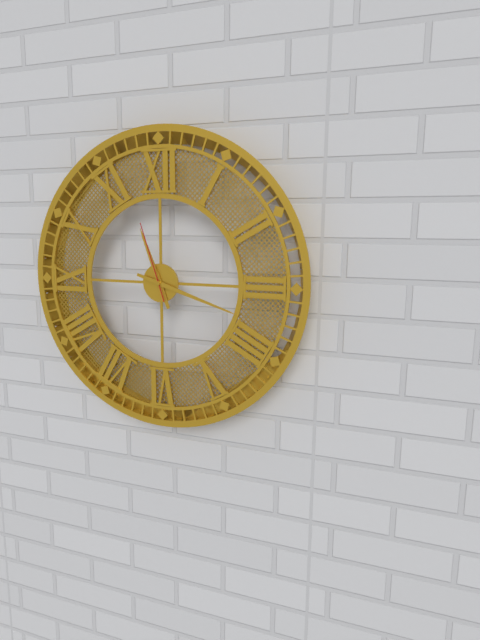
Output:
11:18:57
